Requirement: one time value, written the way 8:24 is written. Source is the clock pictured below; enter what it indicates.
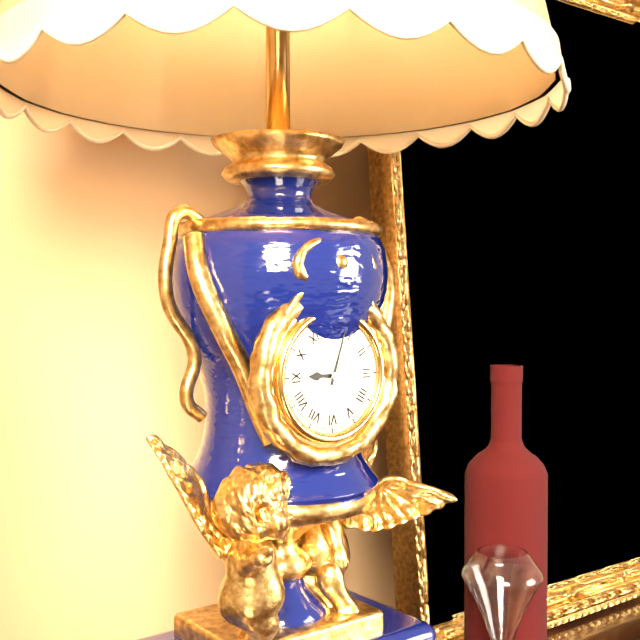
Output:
9:03
